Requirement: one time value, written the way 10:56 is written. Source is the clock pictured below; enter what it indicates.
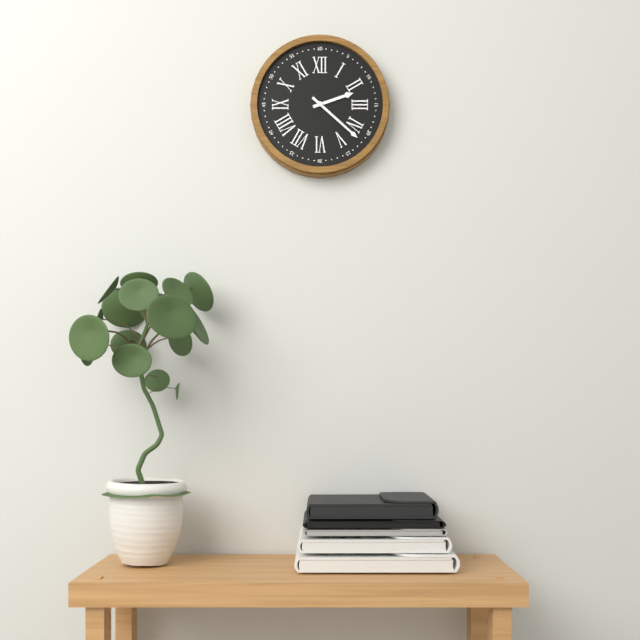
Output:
2:22
